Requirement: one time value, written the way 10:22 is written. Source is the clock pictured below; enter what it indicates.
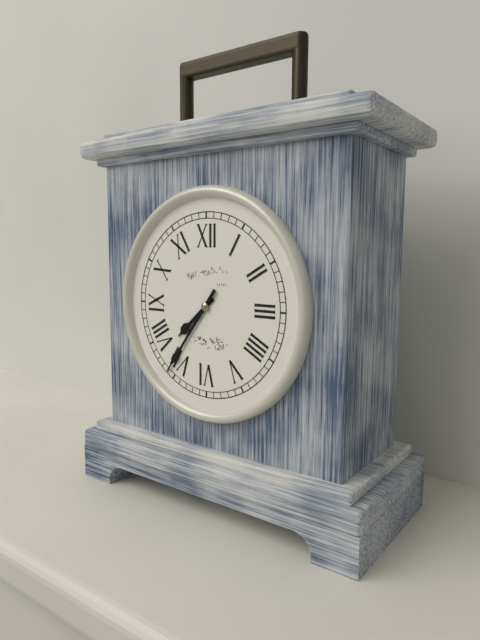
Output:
7:36
